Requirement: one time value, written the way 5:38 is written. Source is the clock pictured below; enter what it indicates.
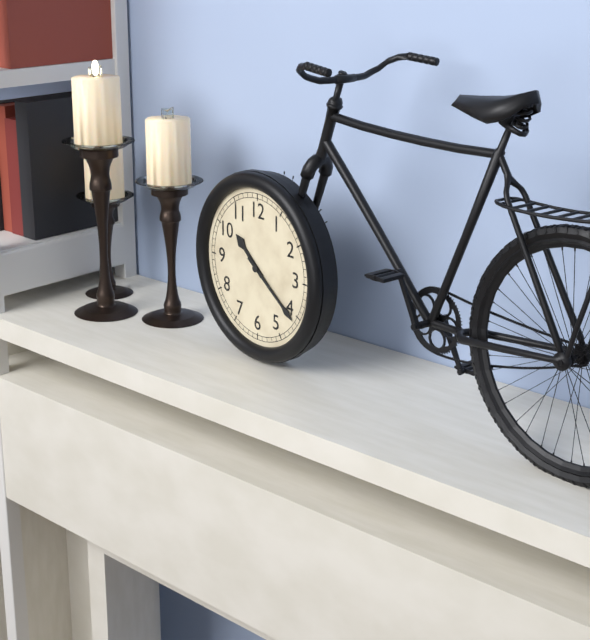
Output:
10:21
